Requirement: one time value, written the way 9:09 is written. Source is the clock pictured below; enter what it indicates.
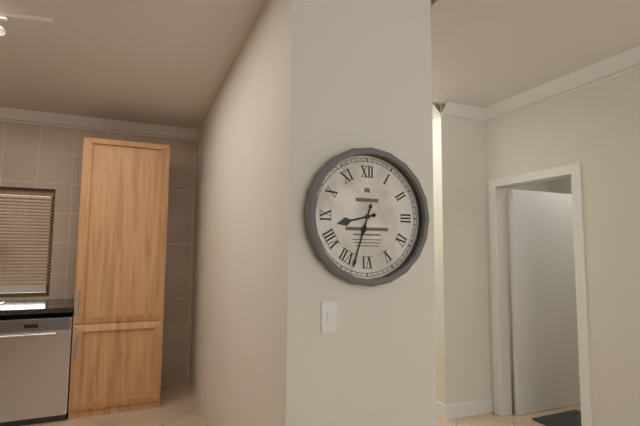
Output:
8:33
